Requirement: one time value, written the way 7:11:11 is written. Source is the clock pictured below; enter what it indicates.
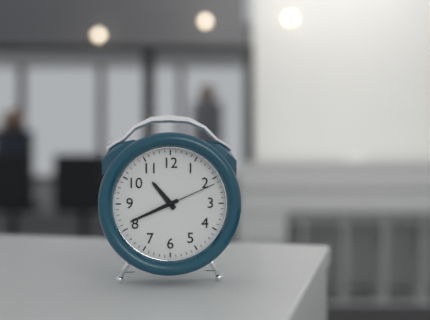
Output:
10:41:11
